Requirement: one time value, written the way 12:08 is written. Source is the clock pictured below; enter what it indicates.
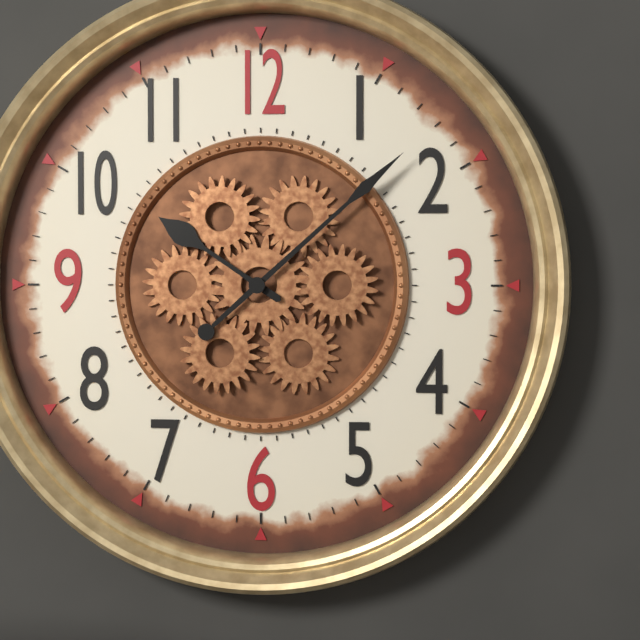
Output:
10:08
